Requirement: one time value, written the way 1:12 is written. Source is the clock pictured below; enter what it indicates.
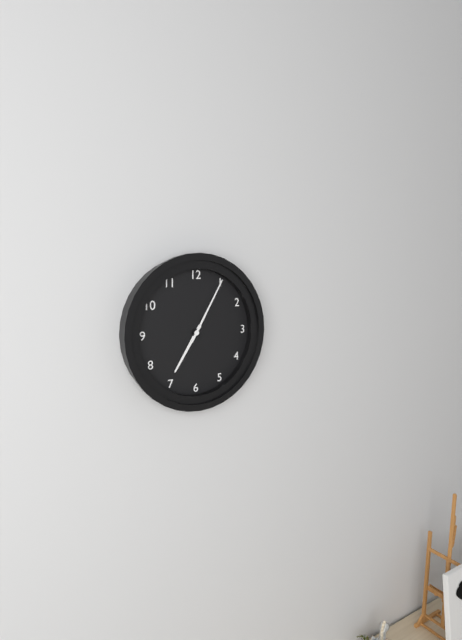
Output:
7:05
